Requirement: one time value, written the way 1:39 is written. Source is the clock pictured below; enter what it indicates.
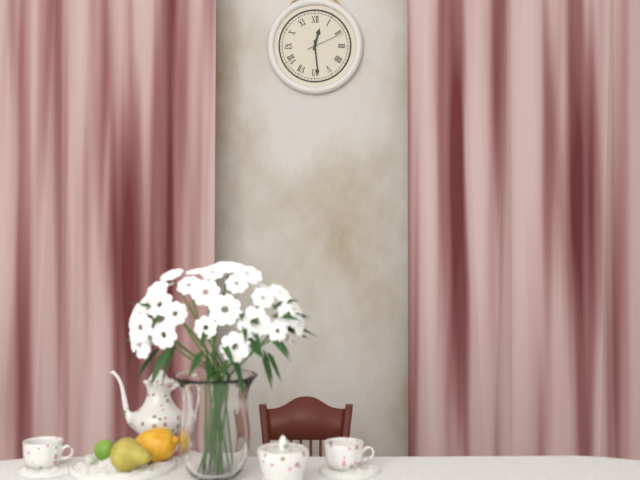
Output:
12:29
